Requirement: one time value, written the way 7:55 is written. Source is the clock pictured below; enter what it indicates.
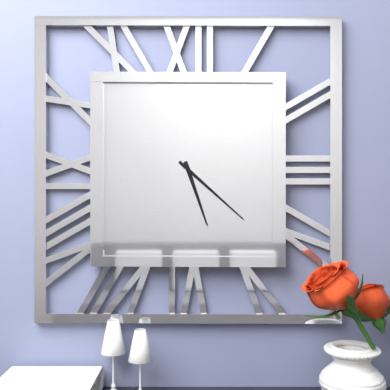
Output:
5:22
